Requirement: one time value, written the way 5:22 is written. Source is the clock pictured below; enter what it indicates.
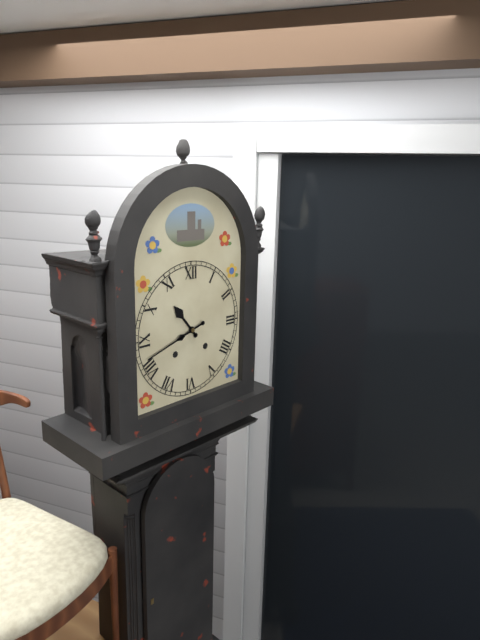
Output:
10:42
